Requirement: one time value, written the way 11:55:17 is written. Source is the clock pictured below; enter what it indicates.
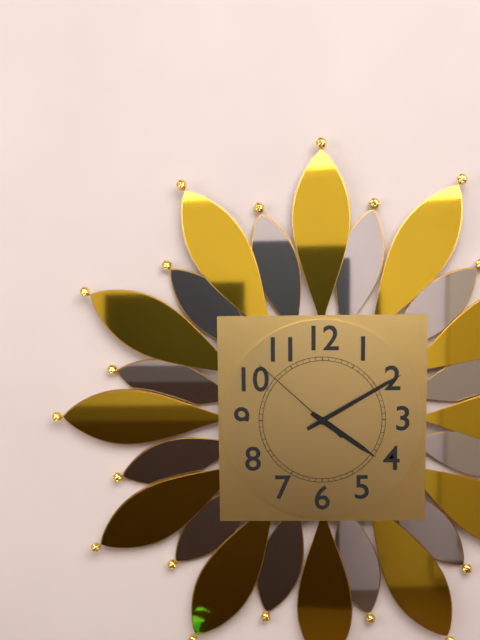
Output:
4:10:52
